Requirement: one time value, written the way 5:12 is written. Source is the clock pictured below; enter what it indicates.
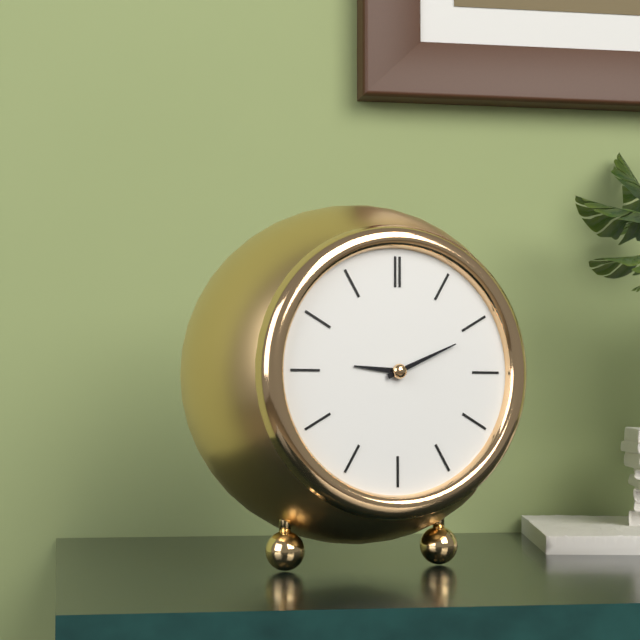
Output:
9:11
